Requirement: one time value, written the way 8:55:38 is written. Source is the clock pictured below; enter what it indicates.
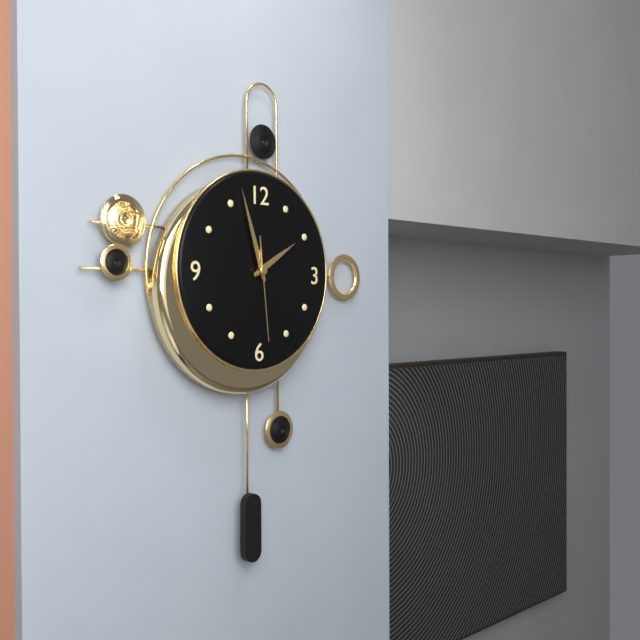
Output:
1:57:29
